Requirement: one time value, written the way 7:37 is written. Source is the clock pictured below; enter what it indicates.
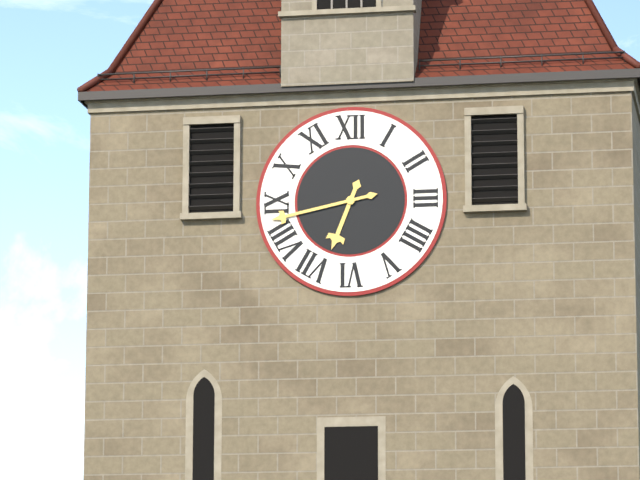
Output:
6:43
